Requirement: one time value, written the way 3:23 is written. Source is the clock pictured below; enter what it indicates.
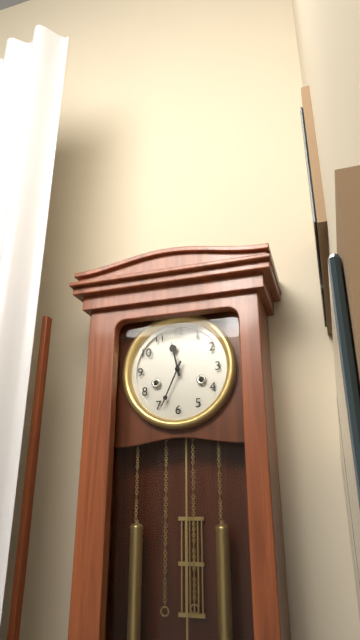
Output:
11:34
